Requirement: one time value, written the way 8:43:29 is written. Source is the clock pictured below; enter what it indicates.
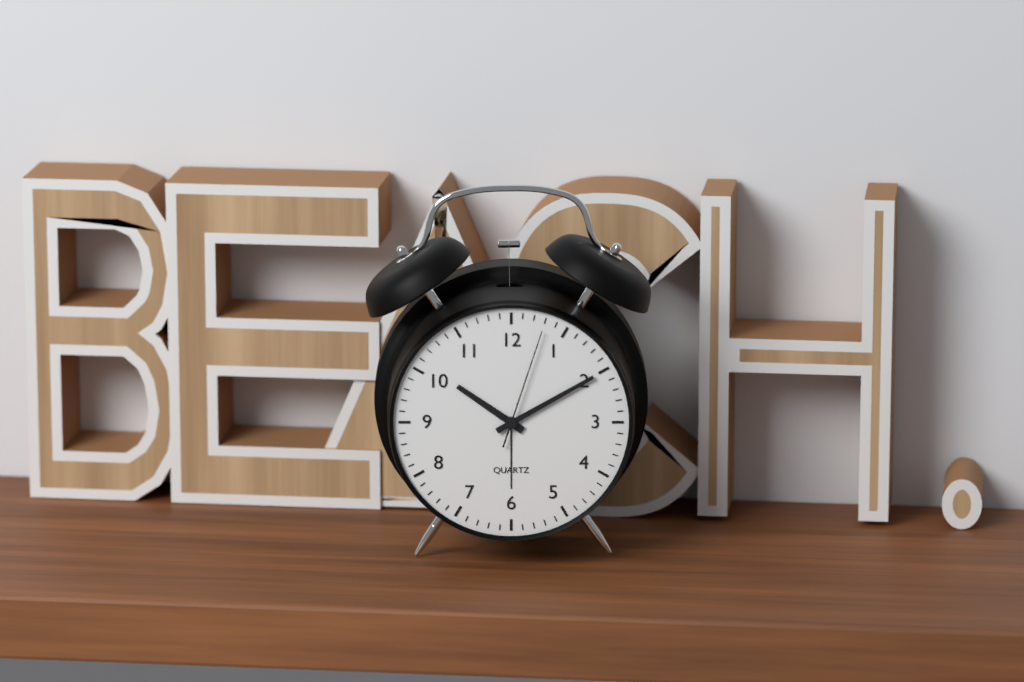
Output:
10:10:03
